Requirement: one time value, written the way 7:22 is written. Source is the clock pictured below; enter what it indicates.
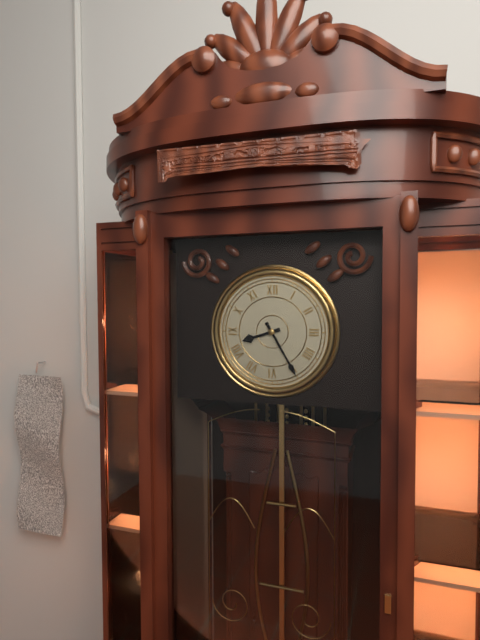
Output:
8:25
